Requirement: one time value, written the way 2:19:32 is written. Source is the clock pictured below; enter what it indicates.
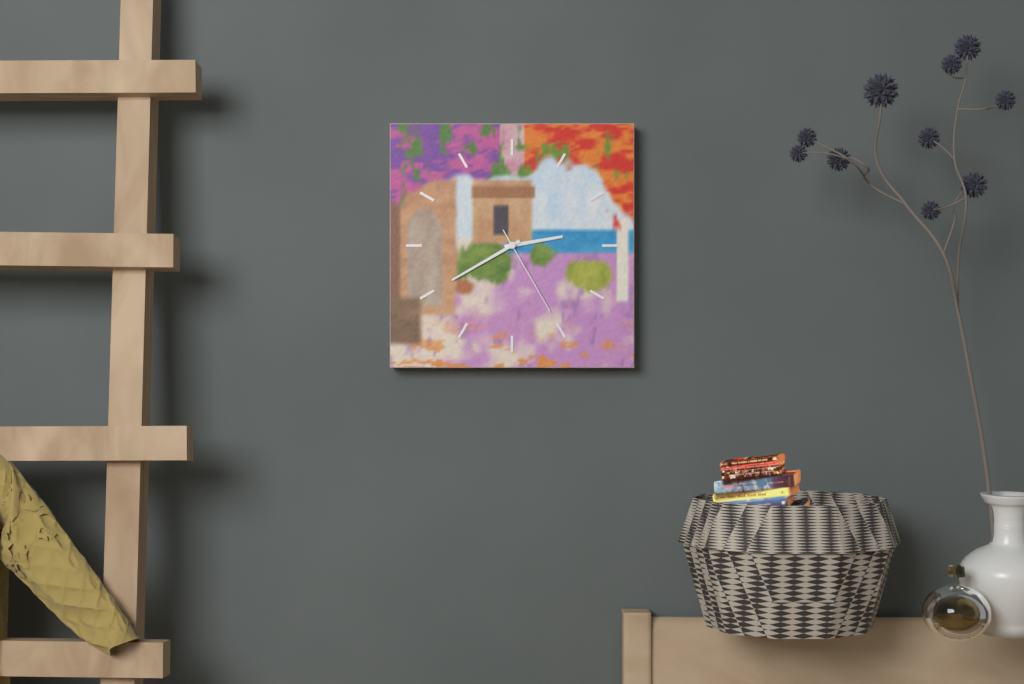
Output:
2:40:25
